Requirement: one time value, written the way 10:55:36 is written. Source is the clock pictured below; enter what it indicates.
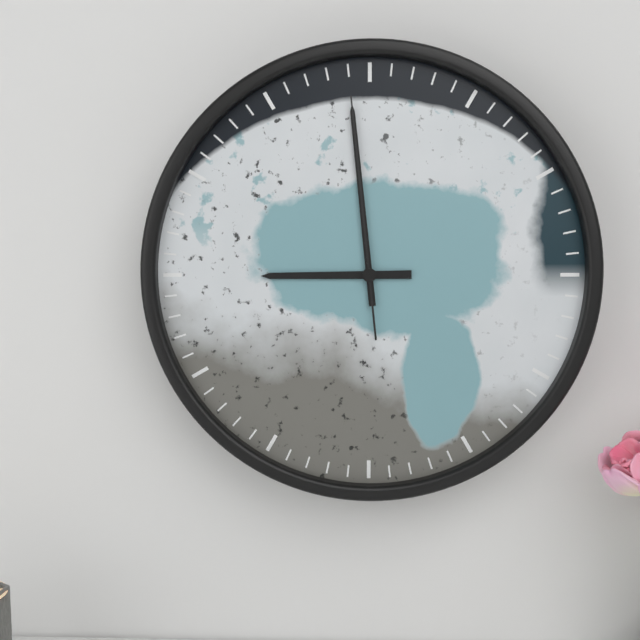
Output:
8:59:59
